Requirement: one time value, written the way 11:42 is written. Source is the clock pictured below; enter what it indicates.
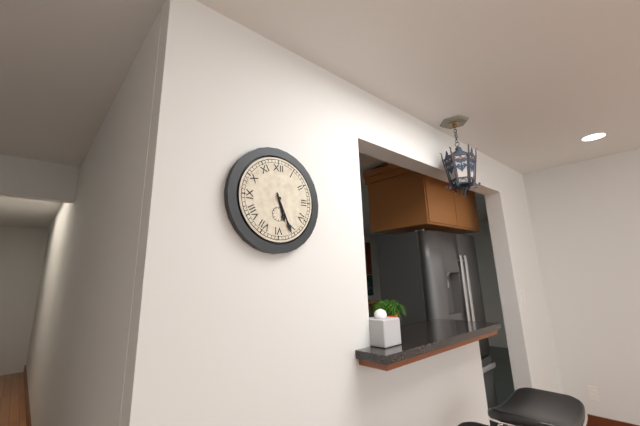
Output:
5:26
